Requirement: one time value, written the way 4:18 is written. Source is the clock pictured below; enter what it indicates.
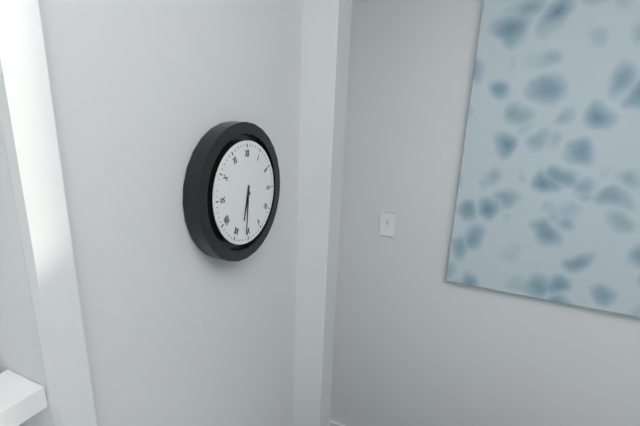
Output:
6:31
